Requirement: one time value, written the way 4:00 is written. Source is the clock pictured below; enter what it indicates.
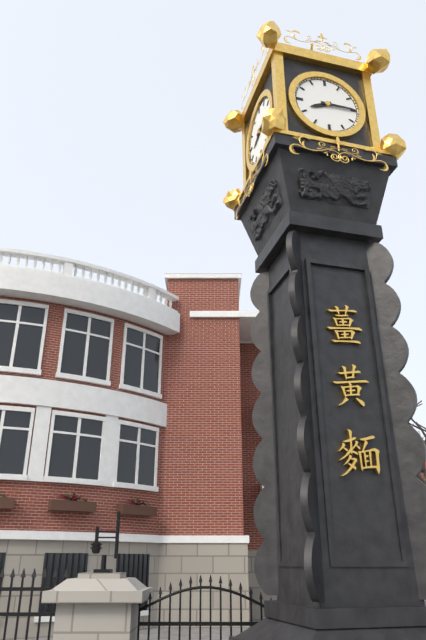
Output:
8:15
